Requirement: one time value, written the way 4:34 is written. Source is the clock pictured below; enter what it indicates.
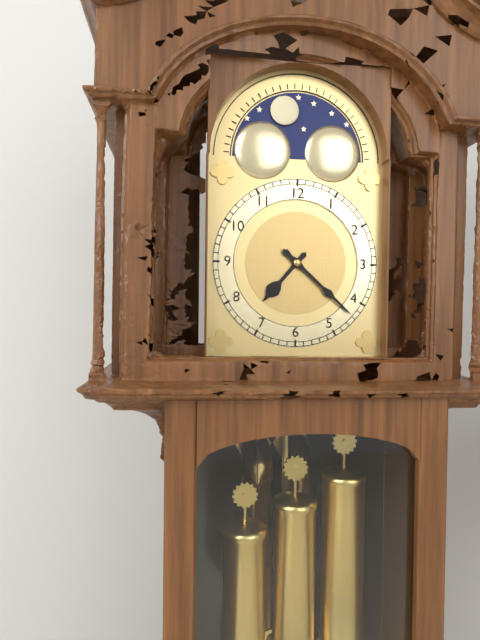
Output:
7:22
